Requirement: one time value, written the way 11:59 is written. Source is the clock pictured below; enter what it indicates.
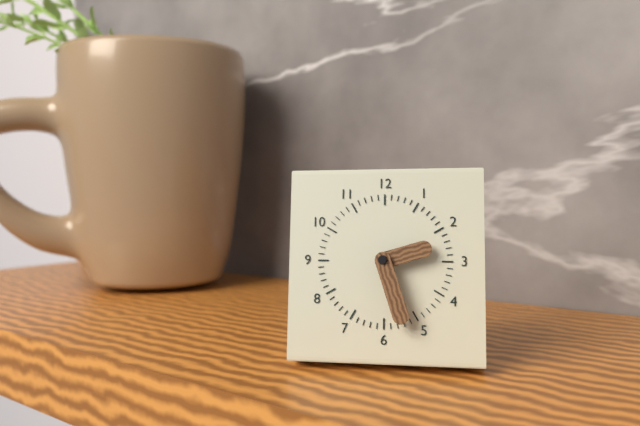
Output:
2:27
